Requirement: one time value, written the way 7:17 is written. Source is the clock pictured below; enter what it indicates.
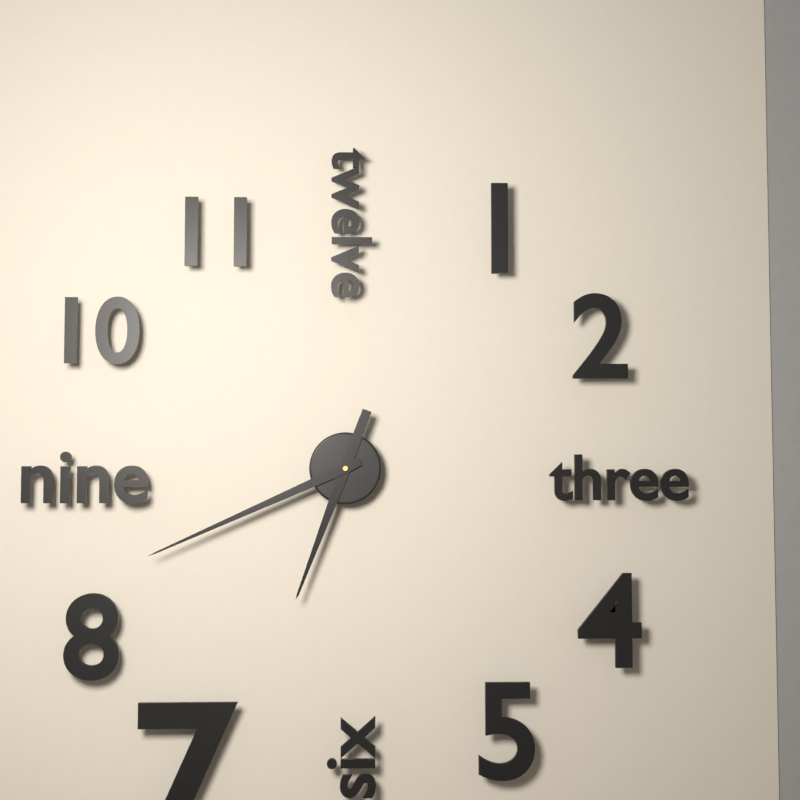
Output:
6:41
